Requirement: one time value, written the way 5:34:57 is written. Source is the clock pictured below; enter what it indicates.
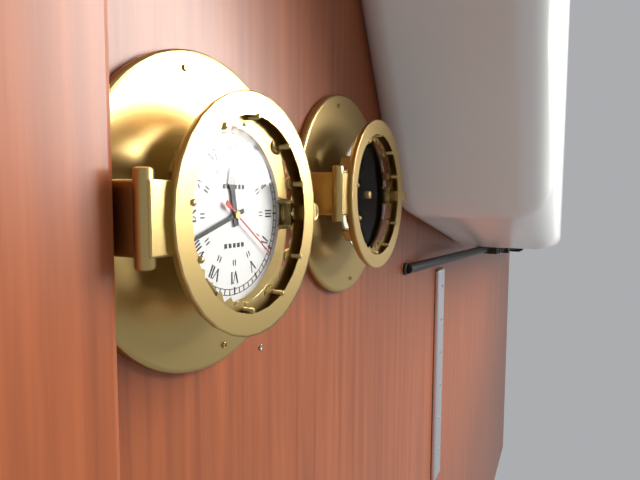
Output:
11:42:21
